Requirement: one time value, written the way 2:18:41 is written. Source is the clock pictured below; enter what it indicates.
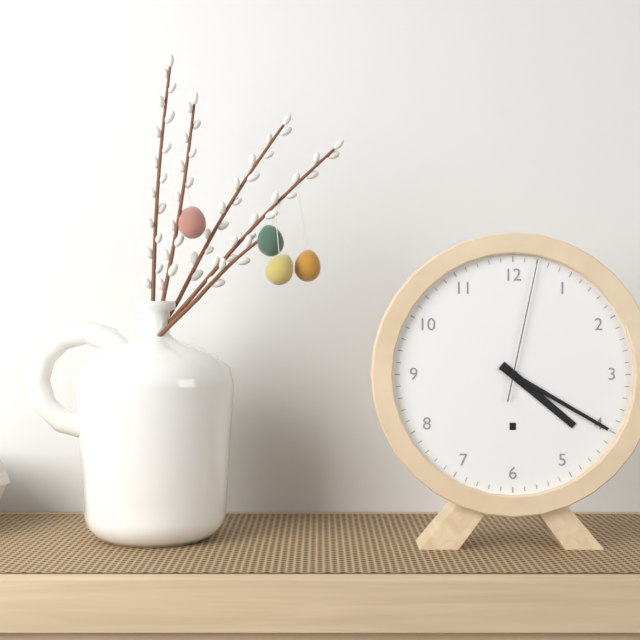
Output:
4:20:02
